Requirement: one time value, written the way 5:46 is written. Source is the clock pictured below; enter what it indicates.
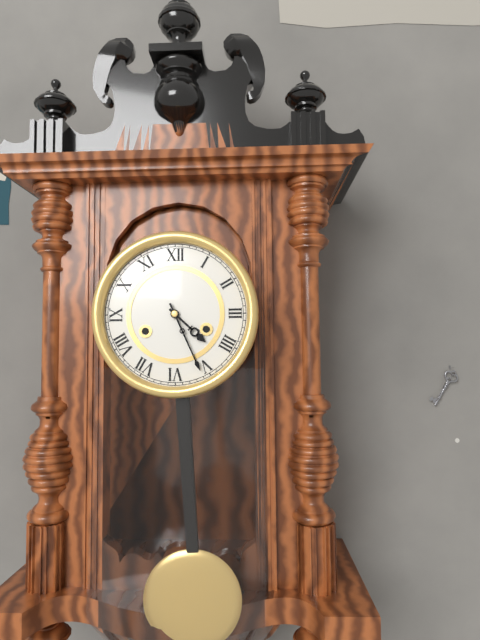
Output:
4:26
